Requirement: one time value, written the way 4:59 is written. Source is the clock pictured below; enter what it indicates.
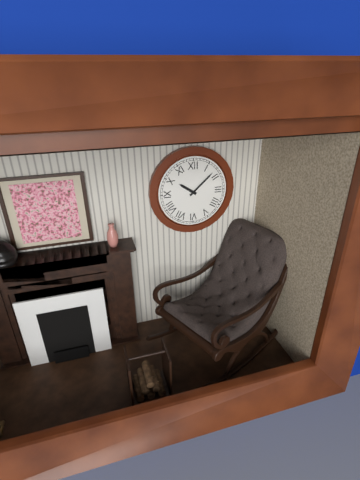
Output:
10:08
